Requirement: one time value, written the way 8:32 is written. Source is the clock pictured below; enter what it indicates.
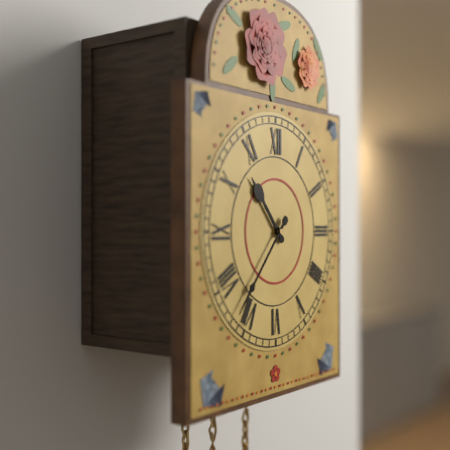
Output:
10:37
